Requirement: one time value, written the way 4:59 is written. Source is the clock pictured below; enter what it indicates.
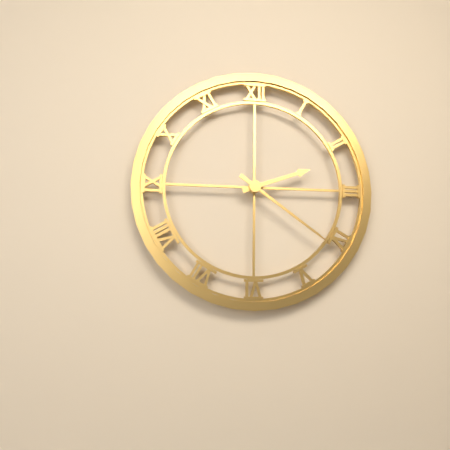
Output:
2:21
